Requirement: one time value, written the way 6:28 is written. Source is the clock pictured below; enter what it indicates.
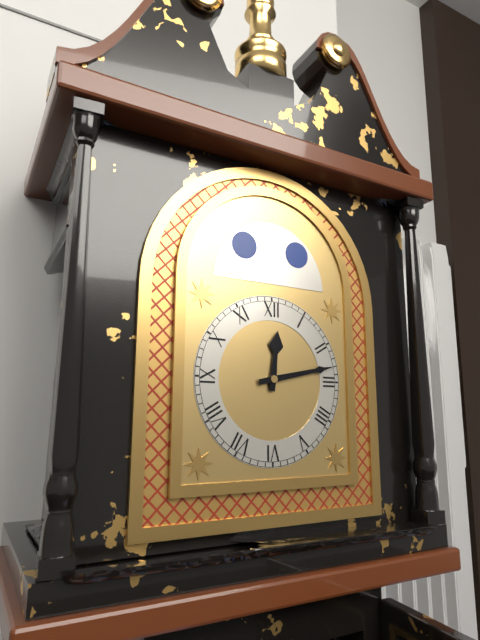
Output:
12:13
